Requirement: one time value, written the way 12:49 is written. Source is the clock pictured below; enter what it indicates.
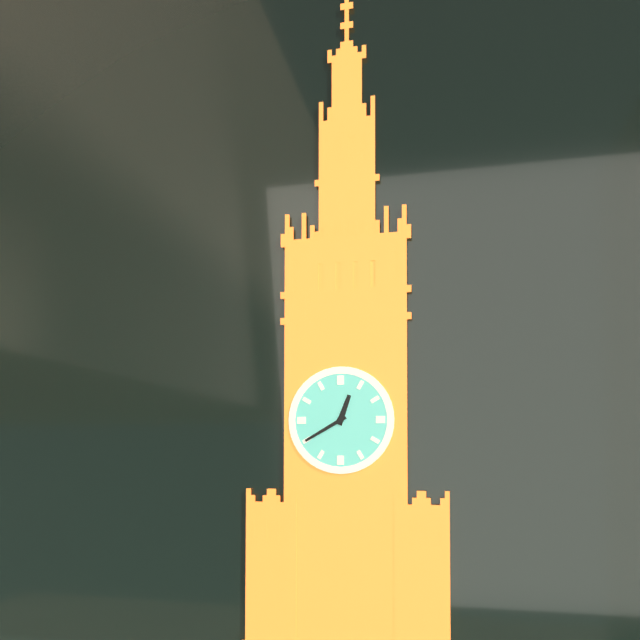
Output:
12:40
